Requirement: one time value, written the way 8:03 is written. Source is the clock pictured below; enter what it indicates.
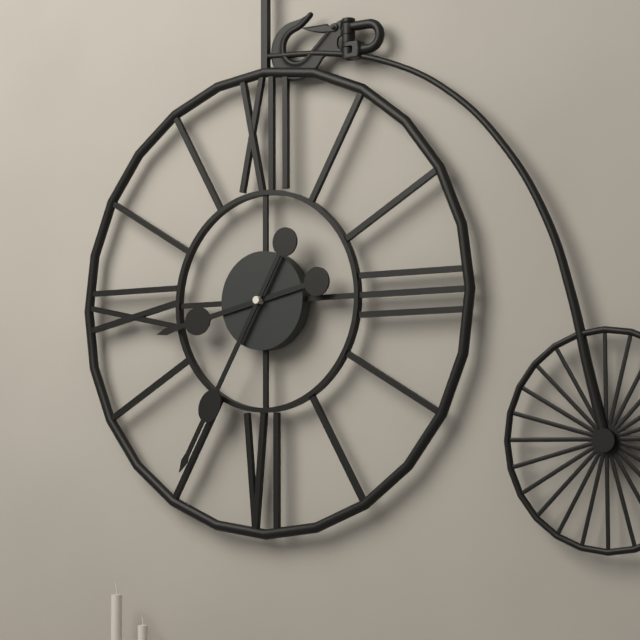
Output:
8:35
